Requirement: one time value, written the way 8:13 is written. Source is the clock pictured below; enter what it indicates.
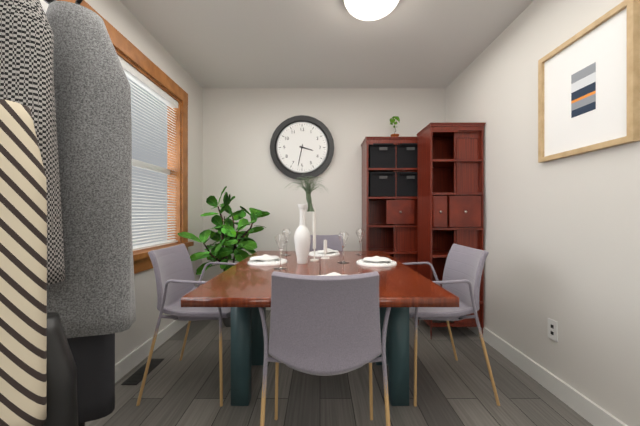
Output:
3:32
